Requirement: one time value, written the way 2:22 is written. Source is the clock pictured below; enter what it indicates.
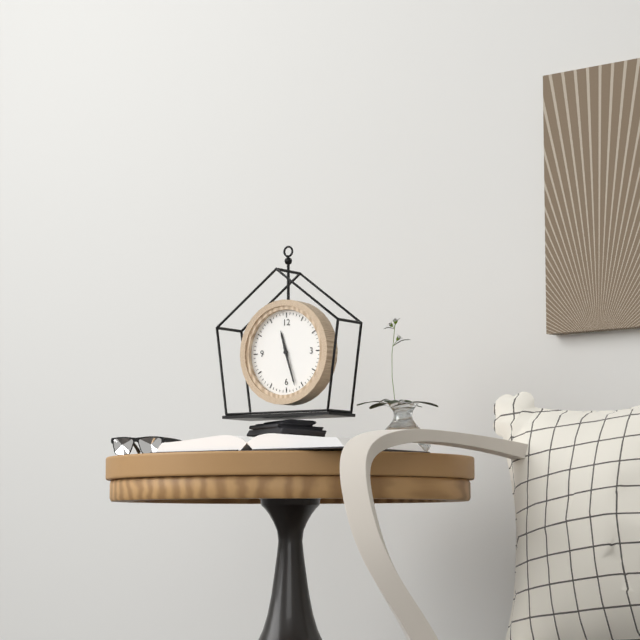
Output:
11:27
